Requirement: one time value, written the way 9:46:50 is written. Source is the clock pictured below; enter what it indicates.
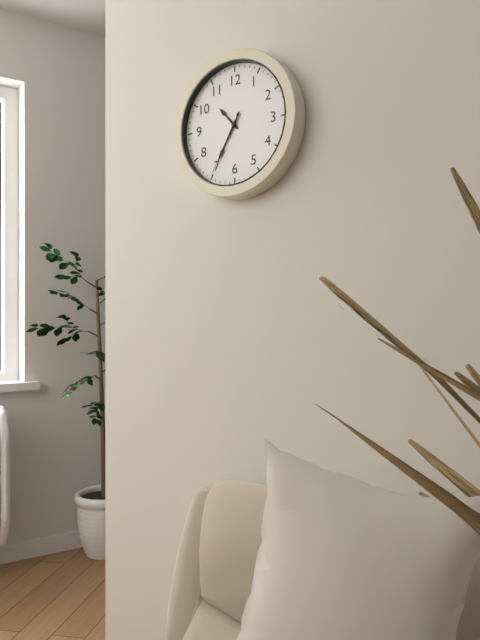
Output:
10:35:35
